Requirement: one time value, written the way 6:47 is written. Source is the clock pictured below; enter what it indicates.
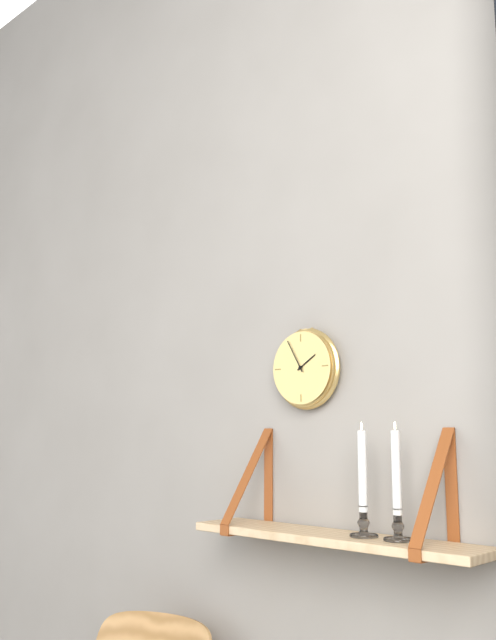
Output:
1:55
